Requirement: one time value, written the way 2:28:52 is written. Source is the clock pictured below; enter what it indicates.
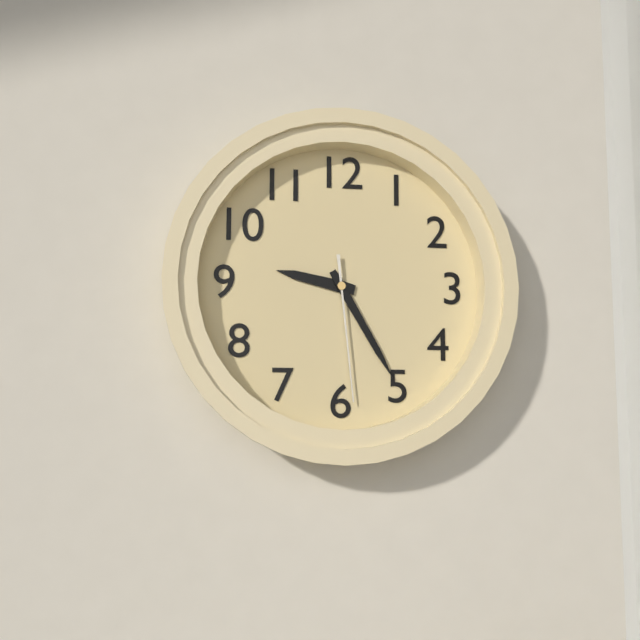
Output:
9:25:29
